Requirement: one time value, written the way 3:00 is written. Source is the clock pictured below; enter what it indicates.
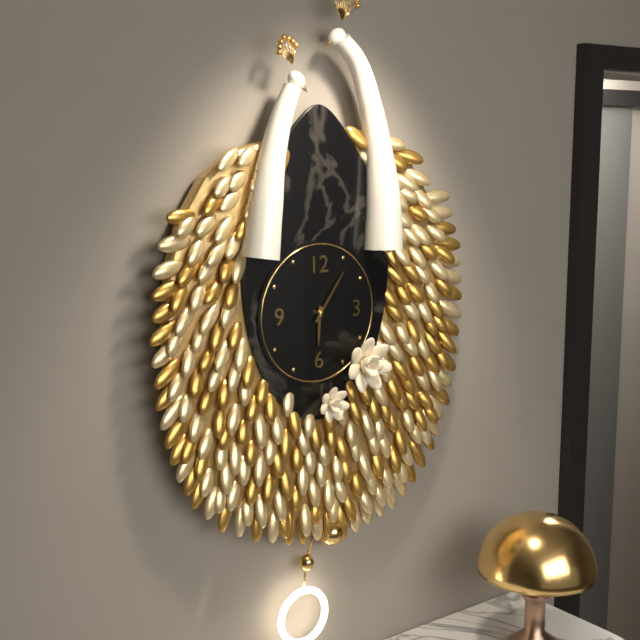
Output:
6:06
